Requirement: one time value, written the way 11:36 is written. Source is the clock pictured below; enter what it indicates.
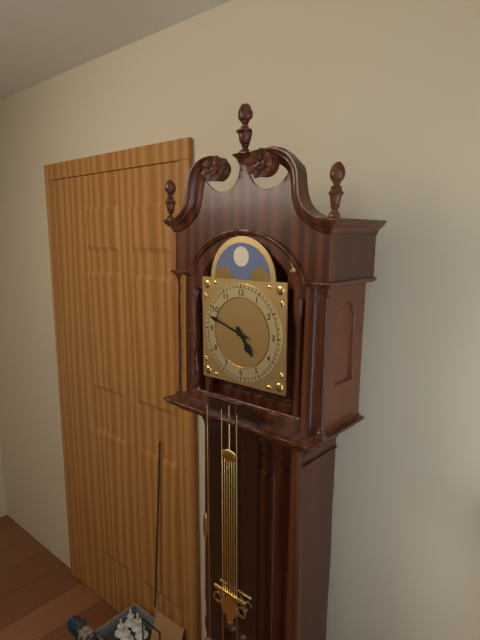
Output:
4:48
